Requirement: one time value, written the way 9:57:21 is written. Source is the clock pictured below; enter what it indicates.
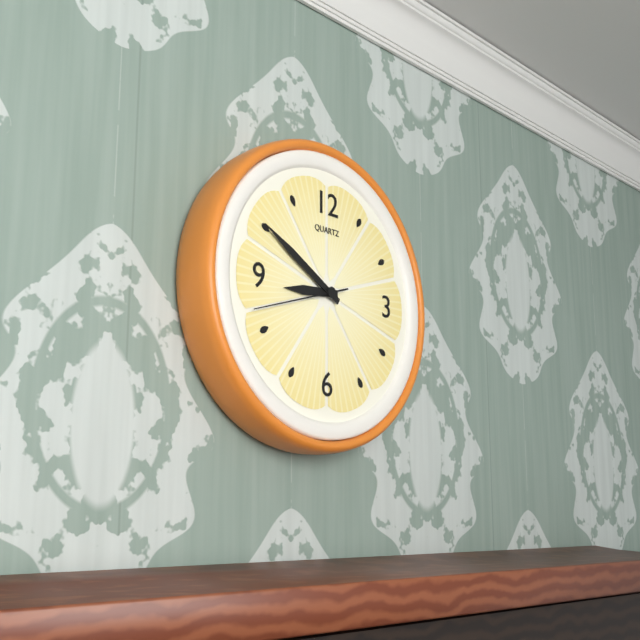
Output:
8:50:42
